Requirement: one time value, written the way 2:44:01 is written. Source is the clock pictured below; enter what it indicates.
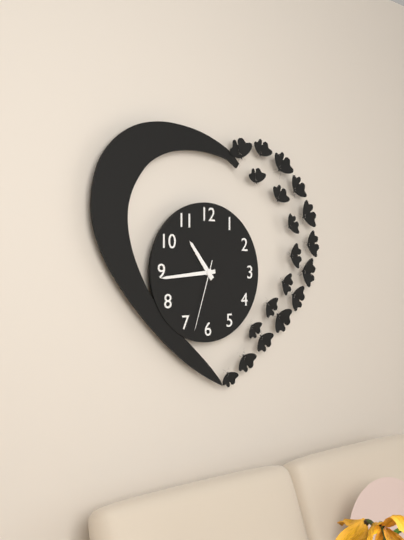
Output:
10:44:33
